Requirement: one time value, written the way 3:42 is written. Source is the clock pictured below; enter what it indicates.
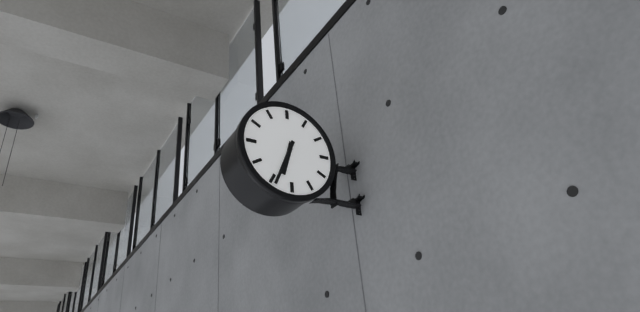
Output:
6:34
